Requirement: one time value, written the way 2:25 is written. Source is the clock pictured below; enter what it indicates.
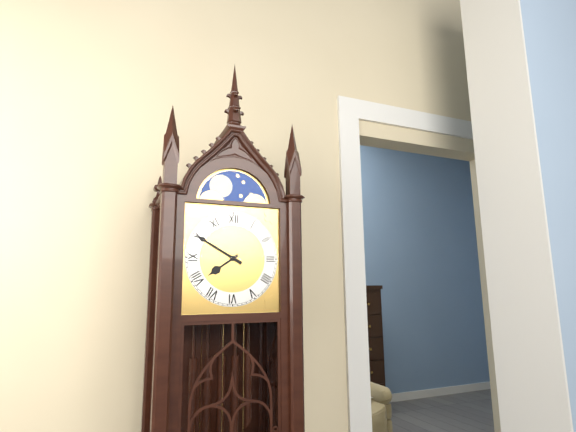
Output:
7:50
